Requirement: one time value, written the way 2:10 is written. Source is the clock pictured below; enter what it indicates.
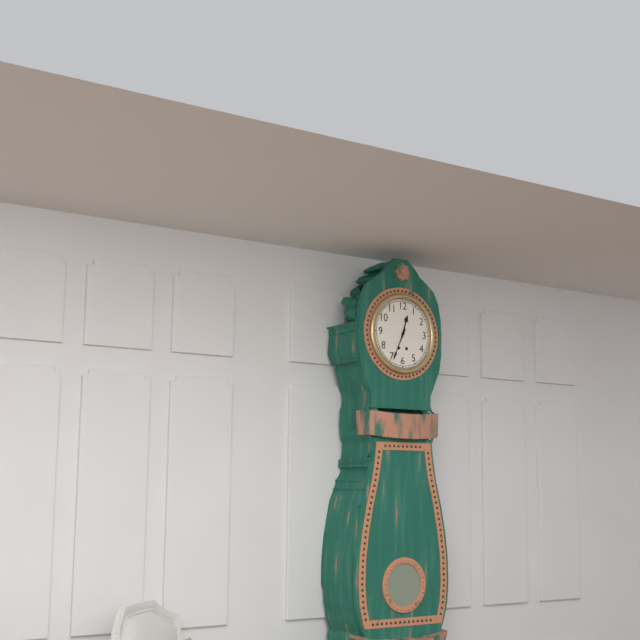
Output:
12:34
